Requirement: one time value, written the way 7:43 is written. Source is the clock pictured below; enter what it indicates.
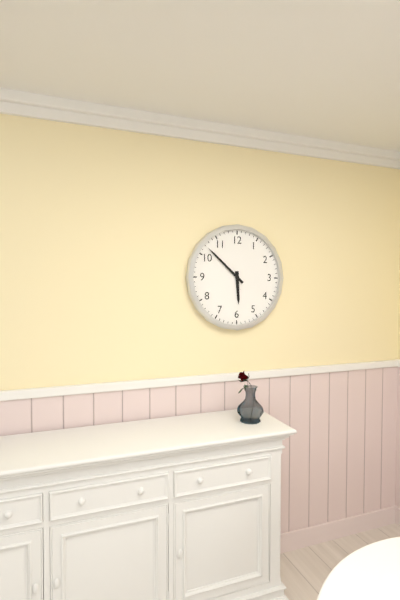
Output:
5:52
